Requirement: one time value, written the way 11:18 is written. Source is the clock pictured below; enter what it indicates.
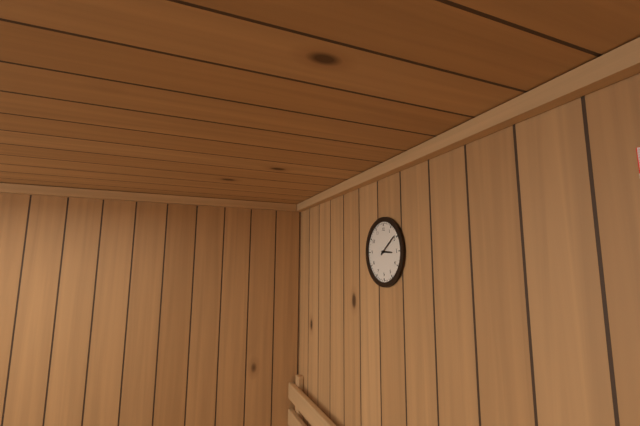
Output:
3:09
